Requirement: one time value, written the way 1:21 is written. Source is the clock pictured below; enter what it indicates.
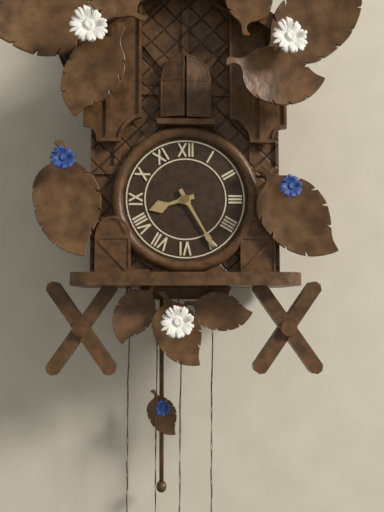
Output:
8:25
